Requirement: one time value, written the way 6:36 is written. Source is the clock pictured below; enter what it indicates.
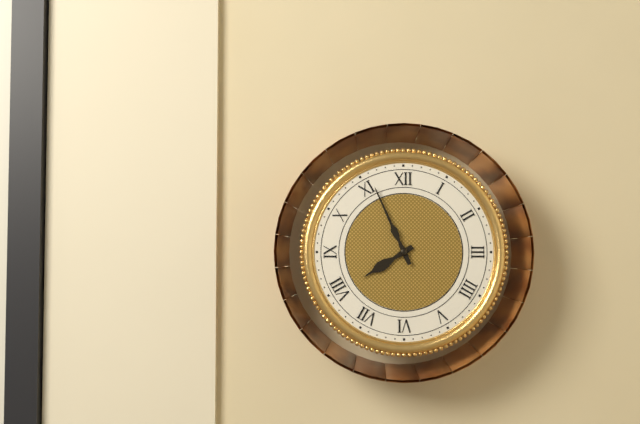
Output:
7:56
